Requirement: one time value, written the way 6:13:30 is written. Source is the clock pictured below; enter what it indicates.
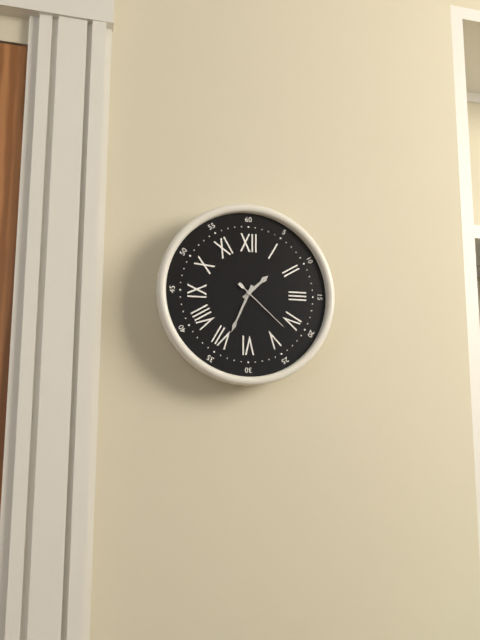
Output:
1:34:22
